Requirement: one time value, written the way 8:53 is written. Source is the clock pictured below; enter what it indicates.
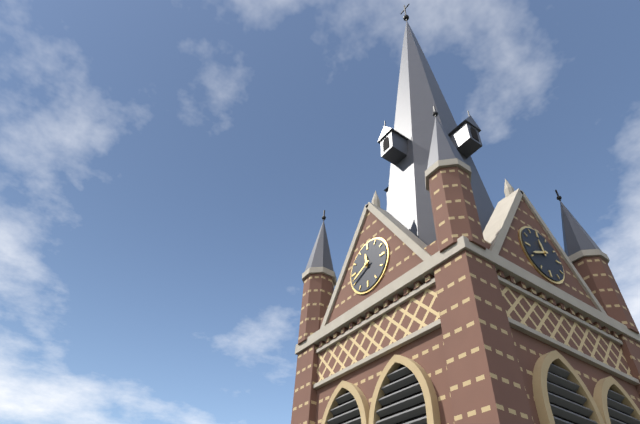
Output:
11:41
